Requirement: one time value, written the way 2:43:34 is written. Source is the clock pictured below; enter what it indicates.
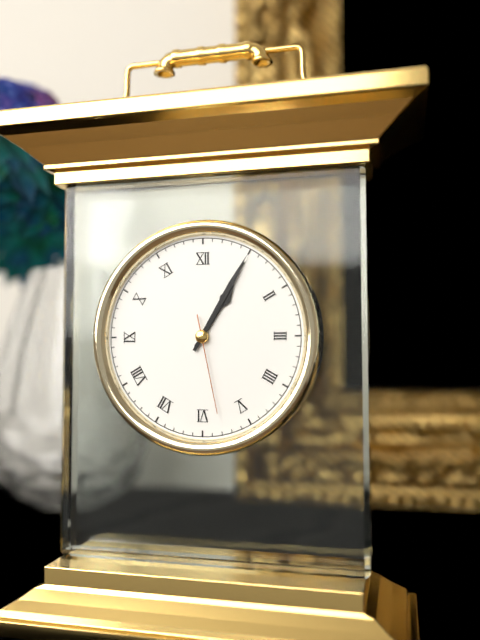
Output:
1:05:28
